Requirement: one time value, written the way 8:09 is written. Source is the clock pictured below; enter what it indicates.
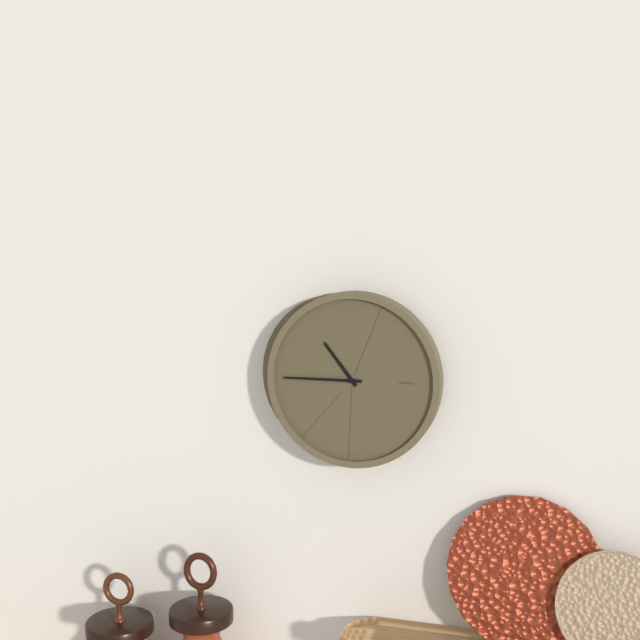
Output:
10:45
